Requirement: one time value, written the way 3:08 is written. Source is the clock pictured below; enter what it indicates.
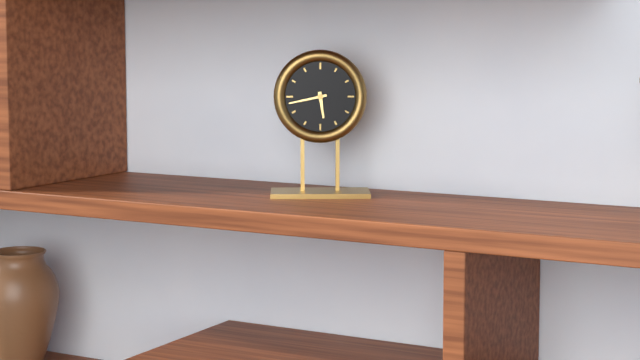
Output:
5:43
